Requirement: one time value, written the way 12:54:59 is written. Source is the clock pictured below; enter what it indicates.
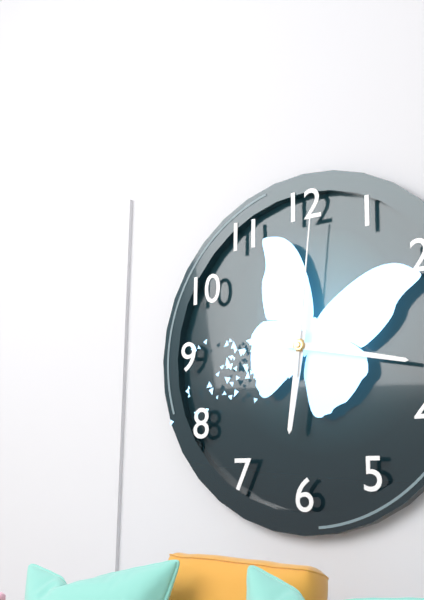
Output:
6:17:01
